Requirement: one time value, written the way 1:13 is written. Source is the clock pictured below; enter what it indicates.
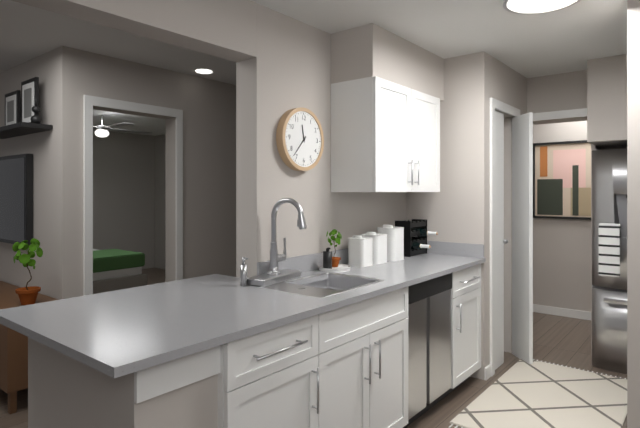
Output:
11:37
